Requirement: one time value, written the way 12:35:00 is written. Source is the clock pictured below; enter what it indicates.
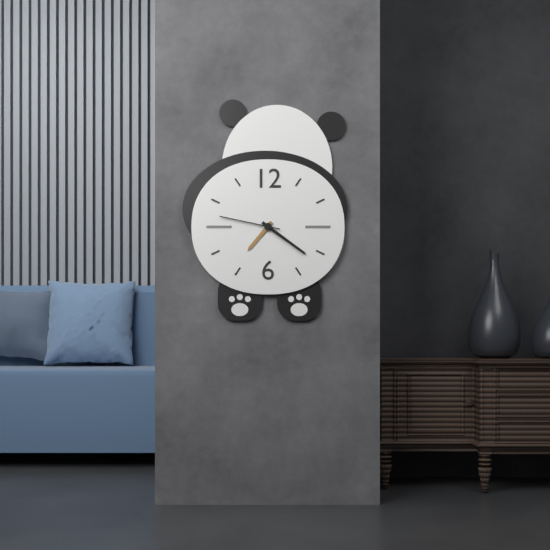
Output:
7:21:47
